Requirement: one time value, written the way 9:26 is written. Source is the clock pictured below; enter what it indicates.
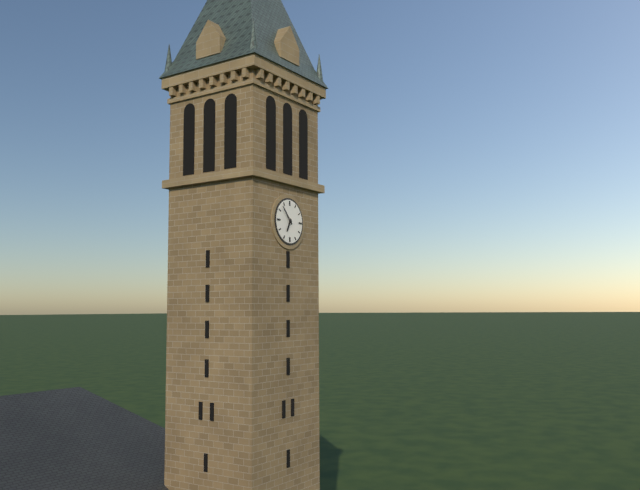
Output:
6:53
